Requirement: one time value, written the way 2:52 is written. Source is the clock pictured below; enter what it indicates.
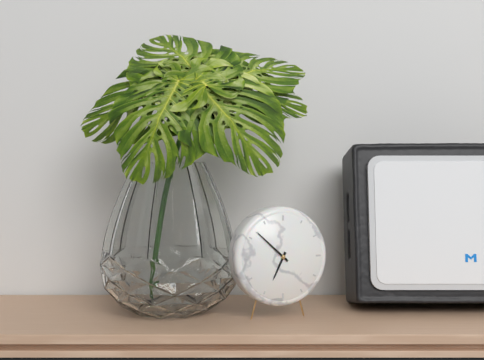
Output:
6:52
